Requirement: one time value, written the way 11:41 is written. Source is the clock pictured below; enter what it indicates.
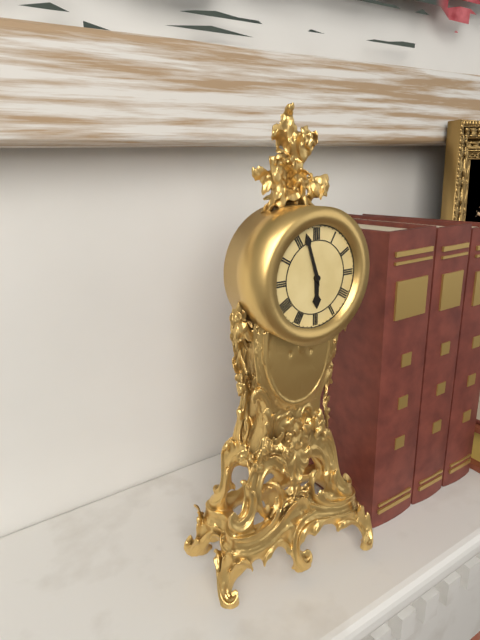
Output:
5:57
